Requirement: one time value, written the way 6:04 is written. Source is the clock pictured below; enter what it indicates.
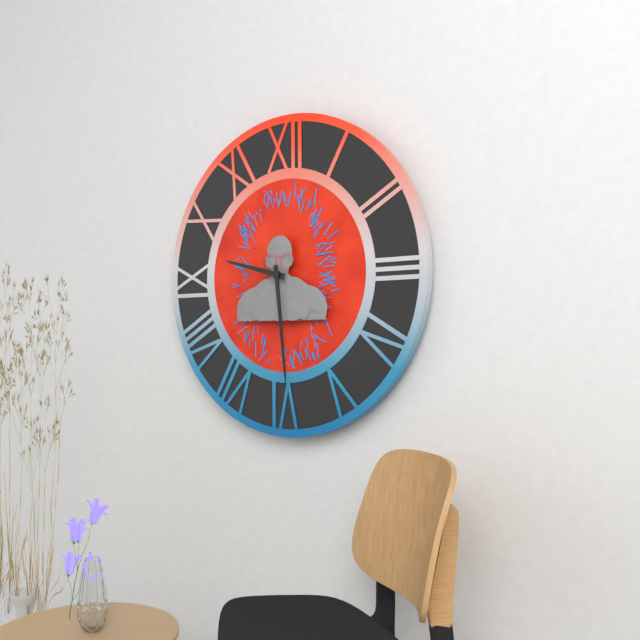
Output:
9:29
